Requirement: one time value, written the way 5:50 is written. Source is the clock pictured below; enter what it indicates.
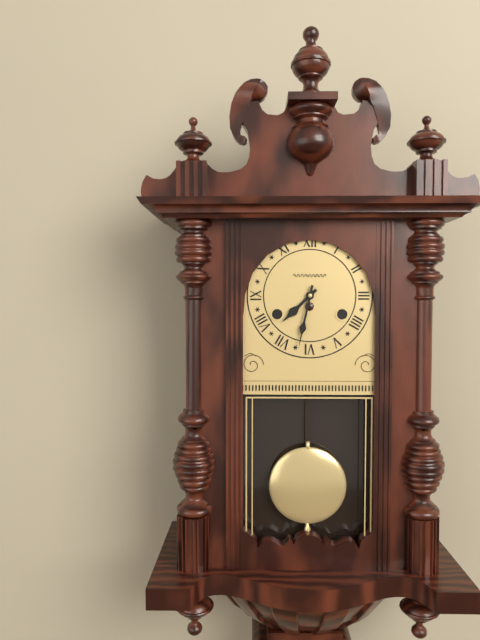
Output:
7:32
